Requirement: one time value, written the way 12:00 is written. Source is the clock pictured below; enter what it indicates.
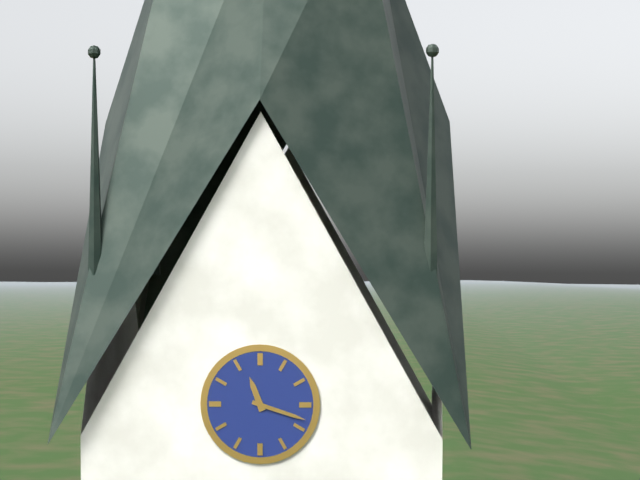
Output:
11:18
